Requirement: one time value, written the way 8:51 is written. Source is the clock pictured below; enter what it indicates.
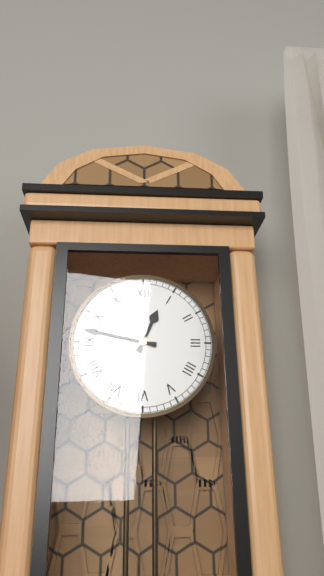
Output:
12:47
